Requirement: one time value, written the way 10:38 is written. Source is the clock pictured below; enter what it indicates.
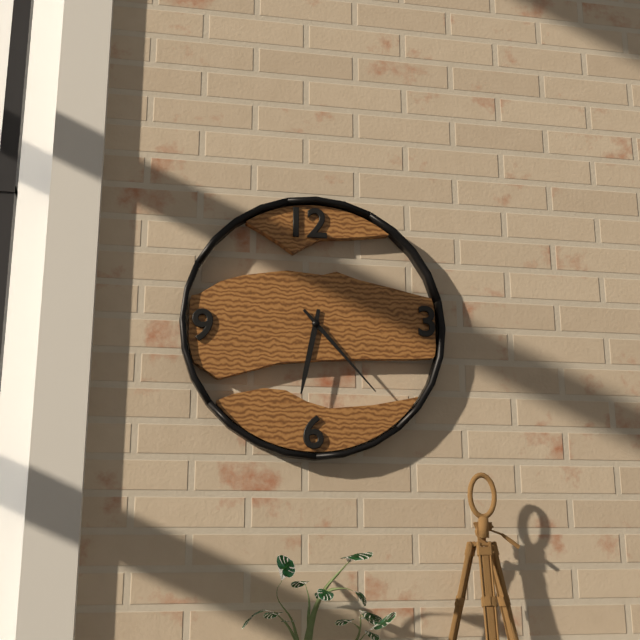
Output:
6:23
